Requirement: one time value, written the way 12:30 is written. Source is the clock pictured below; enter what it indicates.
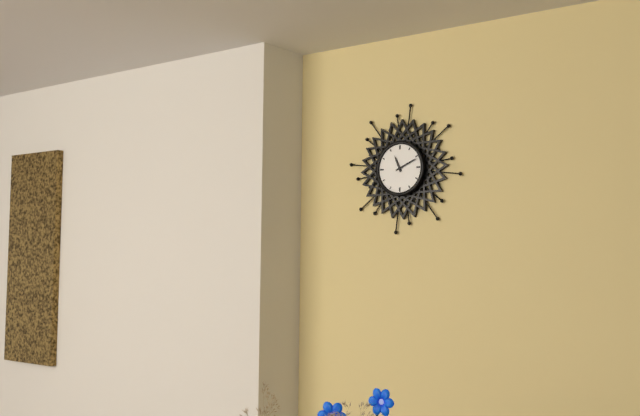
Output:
11:11
